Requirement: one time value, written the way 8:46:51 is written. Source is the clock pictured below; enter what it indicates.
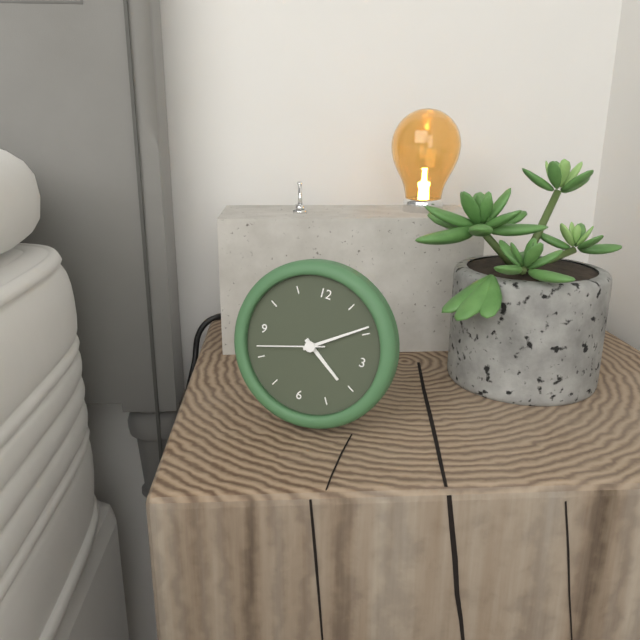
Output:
4:09:42
